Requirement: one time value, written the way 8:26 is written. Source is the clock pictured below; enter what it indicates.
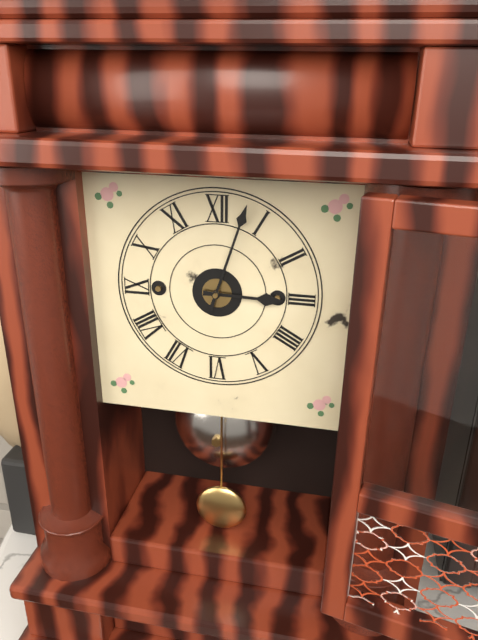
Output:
3:03
